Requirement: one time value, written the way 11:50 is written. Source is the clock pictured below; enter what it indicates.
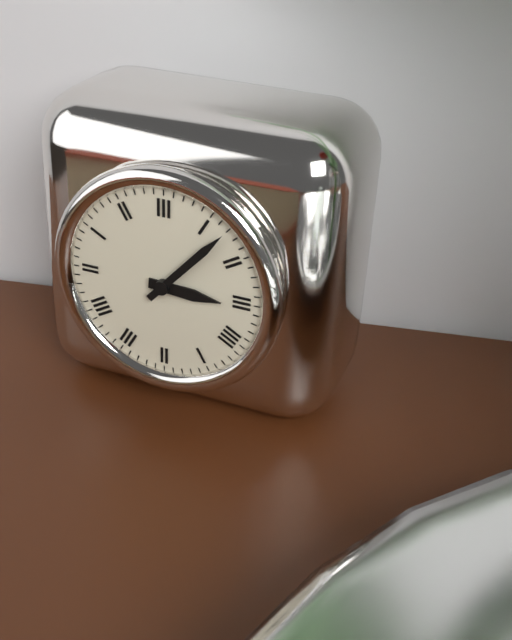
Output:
3:07
